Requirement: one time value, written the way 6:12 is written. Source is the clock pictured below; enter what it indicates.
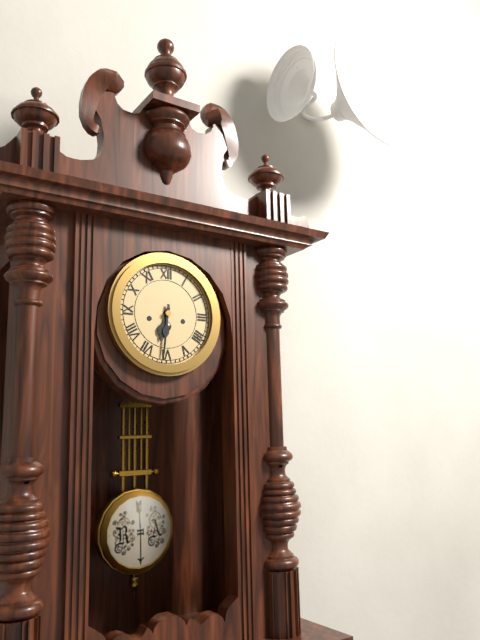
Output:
6:31
